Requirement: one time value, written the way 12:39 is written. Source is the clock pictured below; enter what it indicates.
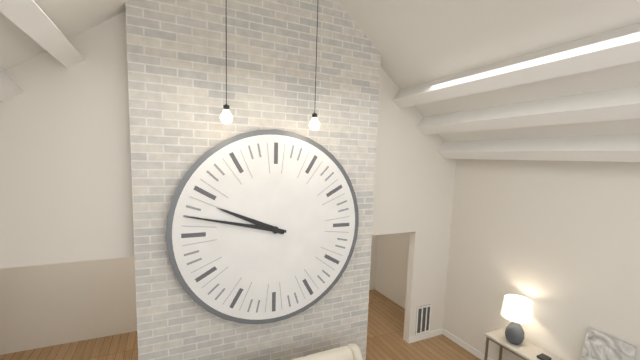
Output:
9:47
